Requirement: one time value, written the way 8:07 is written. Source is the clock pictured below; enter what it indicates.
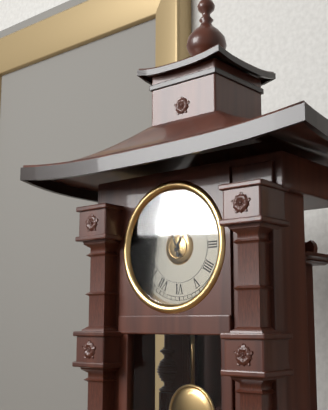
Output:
12:57
